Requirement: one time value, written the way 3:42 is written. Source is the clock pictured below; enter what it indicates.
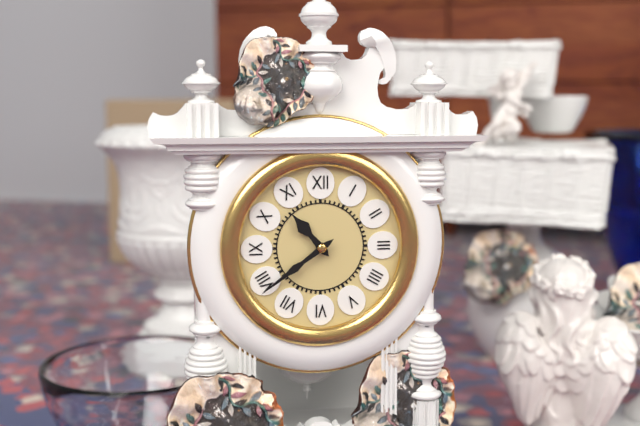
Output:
10:39
